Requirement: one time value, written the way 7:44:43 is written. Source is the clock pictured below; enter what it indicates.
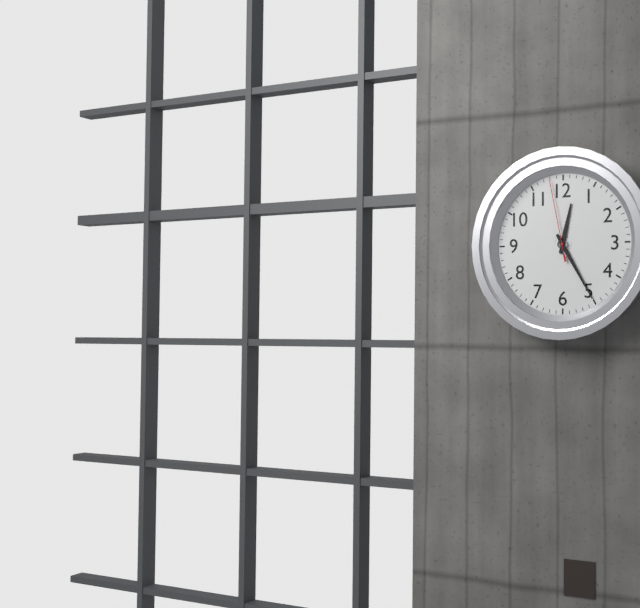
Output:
12:25:58
